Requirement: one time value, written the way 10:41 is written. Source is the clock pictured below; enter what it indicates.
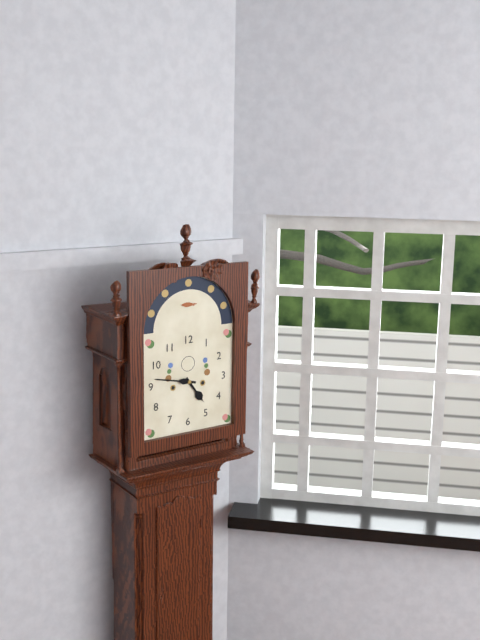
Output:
4:47
